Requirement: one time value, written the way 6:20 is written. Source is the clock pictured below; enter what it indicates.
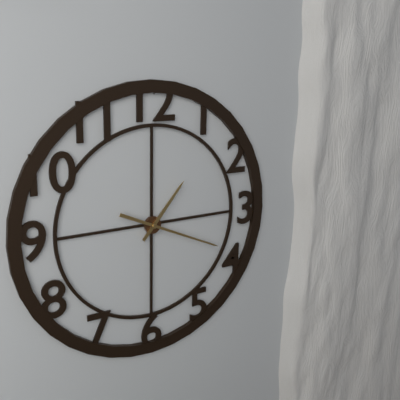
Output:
1:19
